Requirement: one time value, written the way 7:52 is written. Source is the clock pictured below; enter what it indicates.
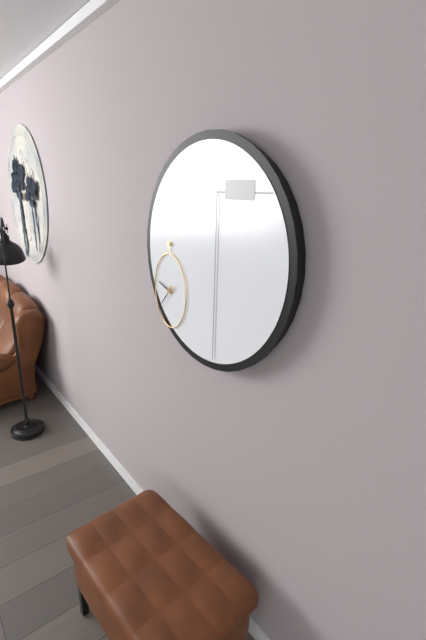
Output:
9:37
